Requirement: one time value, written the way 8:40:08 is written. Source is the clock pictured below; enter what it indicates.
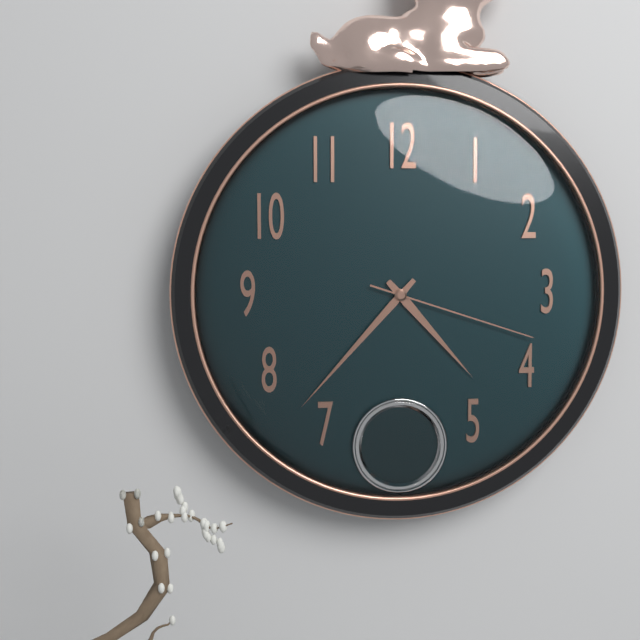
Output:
4:37:18
